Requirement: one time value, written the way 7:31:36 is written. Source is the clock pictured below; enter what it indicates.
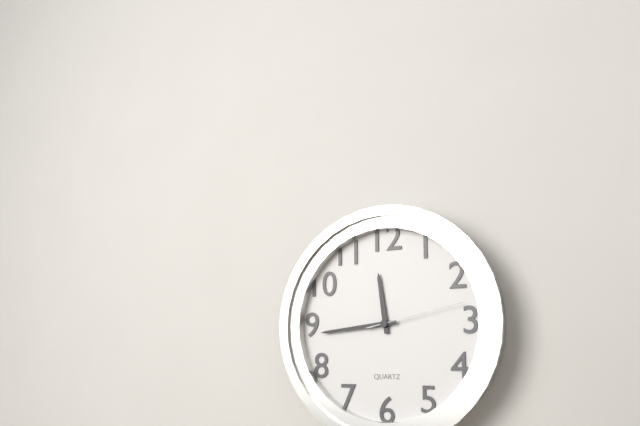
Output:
11:44:13
